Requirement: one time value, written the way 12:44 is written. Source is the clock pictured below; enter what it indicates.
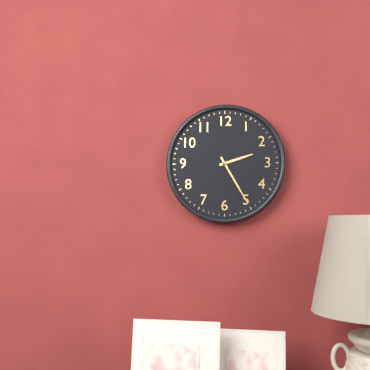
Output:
2:25
